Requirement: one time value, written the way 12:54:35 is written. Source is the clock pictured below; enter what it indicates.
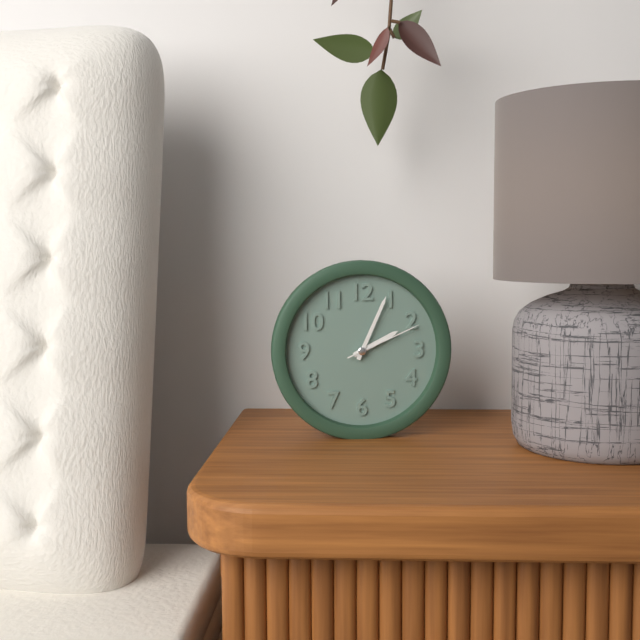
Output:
2:04:11
